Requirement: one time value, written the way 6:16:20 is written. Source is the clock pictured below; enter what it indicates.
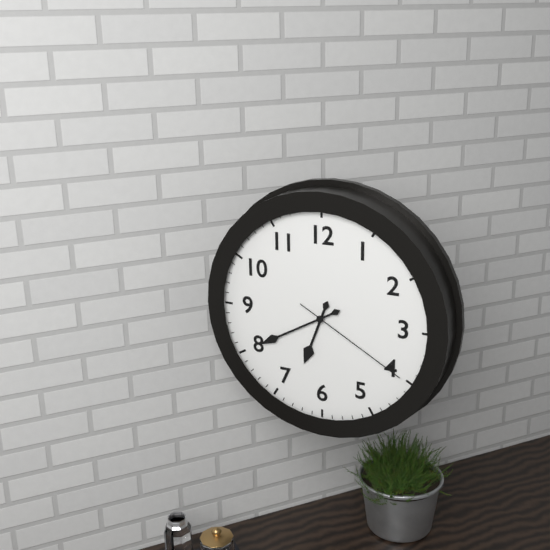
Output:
6:40:20
